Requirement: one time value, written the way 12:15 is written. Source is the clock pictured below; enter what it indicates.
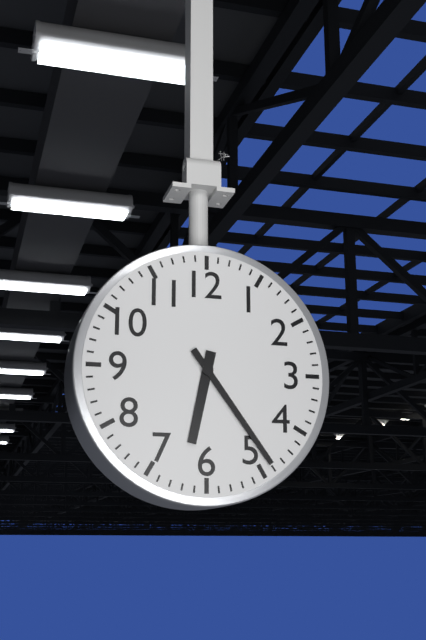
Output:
6:24
